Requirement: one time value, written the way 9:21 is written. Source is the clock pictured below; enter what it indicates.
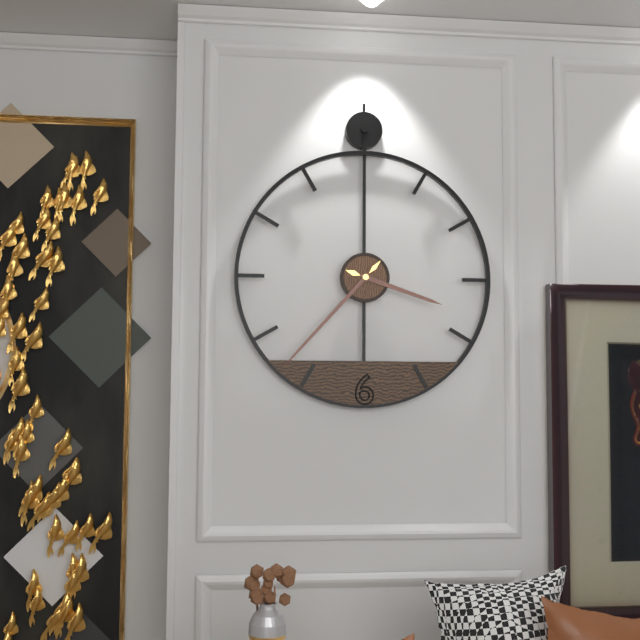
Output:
3:37
